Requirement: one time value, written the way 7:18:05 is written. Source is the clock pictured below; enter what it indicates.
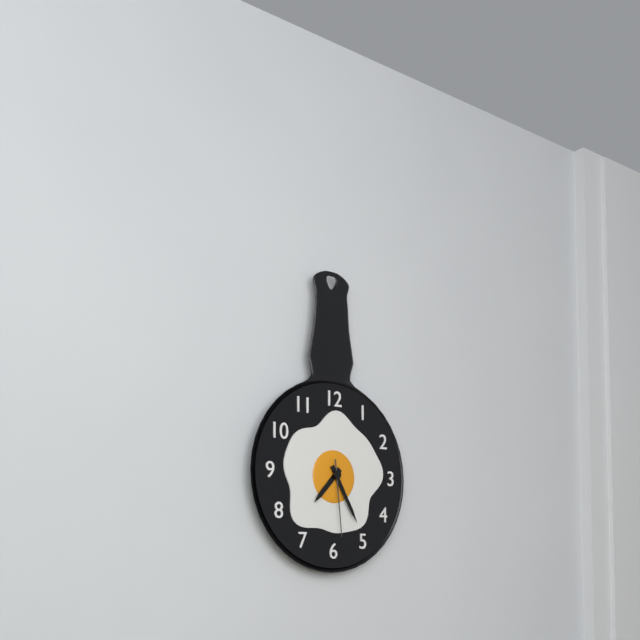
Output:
7:25:29
